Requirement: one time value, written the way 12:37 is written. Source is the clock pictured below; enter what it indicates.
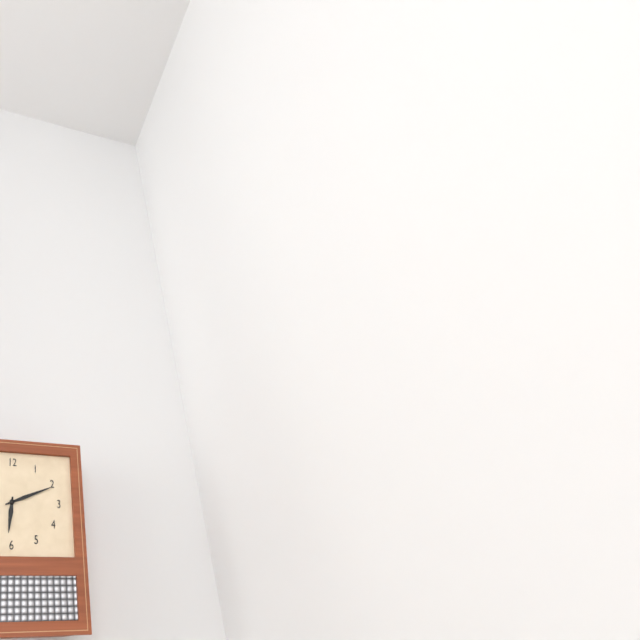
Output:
6:11
